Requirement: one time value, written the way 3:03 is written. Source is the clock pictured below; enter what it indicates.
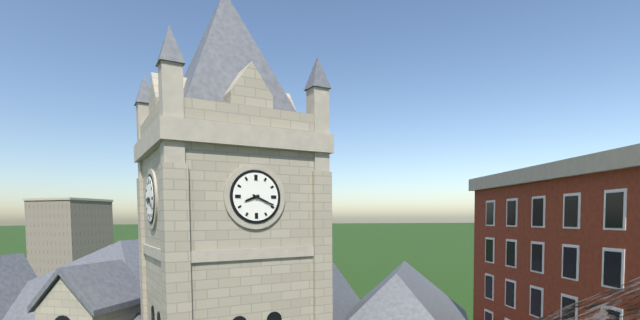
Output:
8:19
